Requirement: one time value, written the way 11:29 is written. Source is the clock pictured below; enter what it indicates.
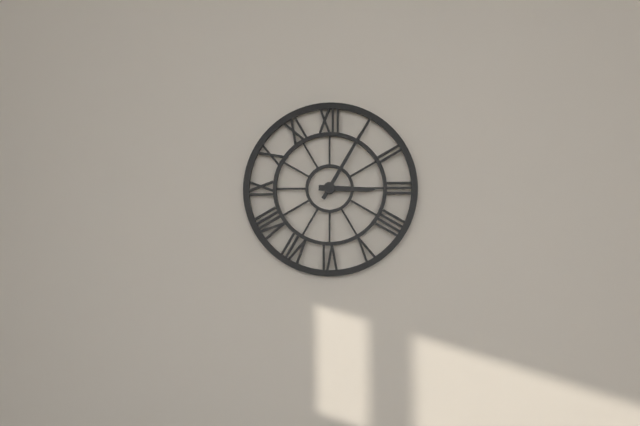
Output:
3:05
